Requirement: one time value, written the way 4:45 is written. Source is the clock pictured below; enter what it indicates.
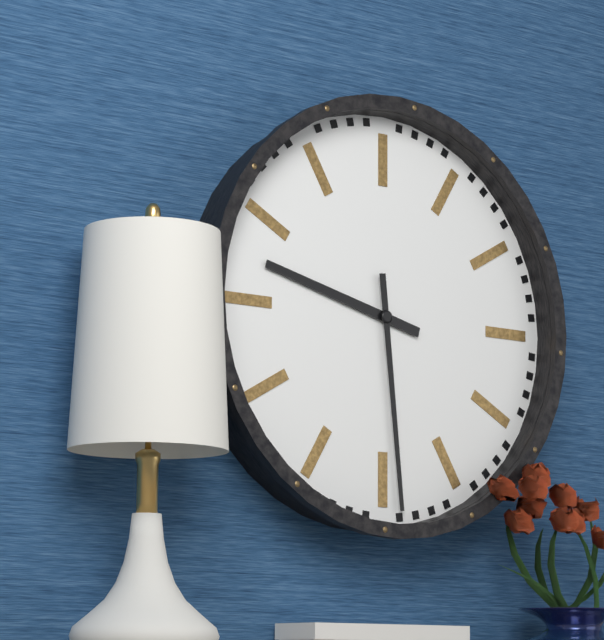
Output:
9:29
